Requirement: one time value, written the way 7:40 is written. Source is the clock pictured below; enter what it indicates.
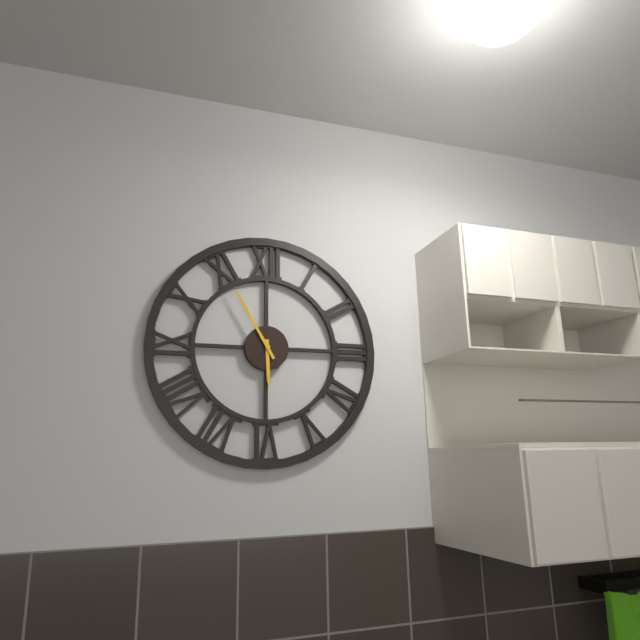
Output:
5:55
